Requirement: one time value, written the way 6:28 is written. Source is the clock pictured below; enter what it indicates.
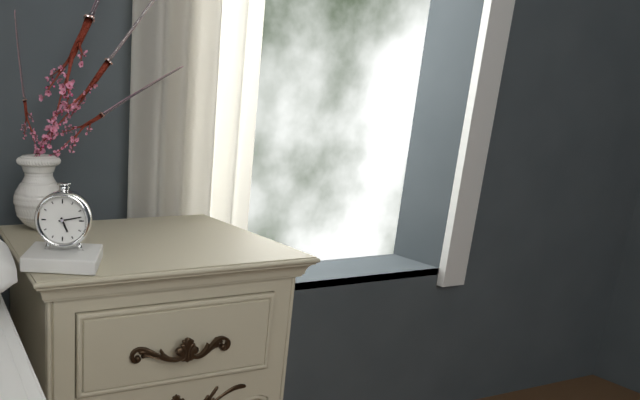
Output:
5:13
